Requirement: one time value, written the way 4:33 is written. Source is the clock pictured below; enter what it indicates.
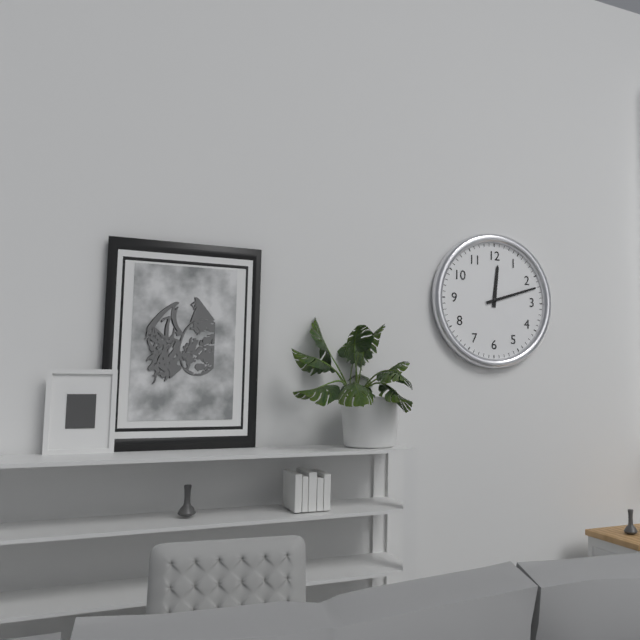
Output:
12:12
